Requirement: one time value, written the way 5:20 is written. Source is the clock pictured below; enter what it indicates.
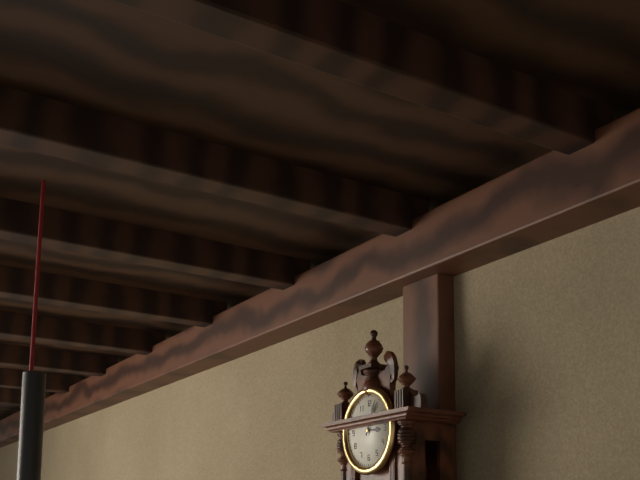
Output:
3:04
